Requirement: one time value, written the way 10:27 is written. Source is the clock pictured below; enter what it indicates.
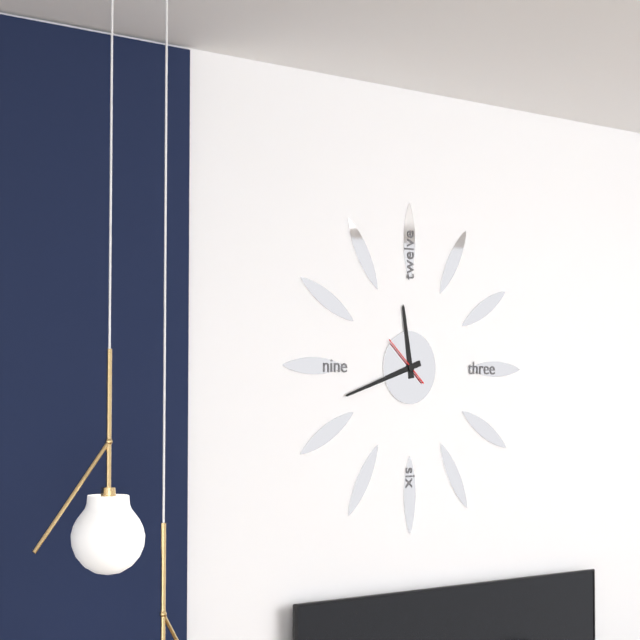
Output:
11:42
